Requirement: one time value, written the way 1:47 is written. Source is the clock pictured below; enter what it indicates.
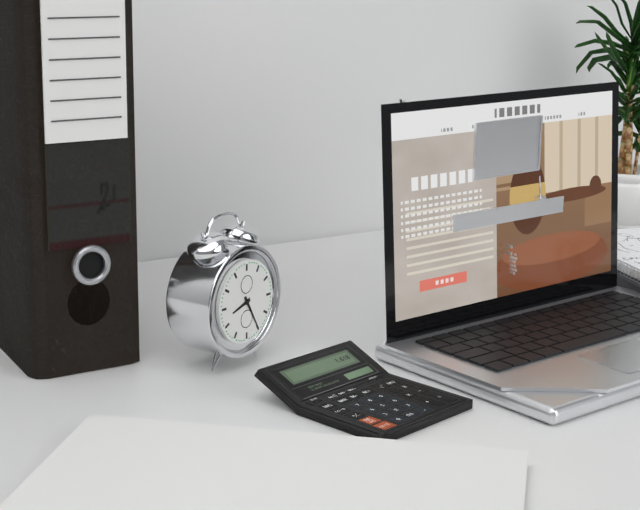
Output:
8:25
